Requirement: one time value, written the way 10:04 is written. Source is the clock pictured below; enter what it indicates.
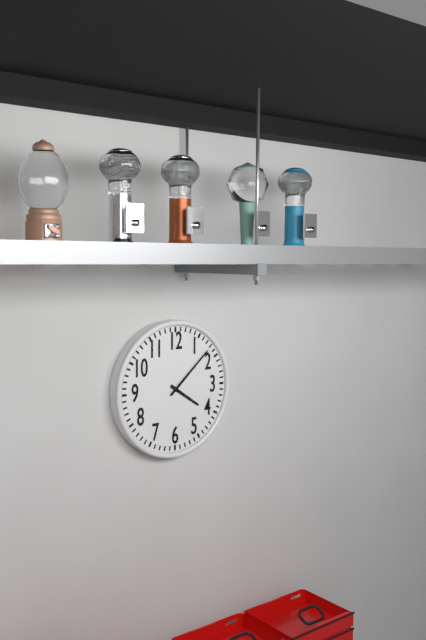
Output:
4:08
